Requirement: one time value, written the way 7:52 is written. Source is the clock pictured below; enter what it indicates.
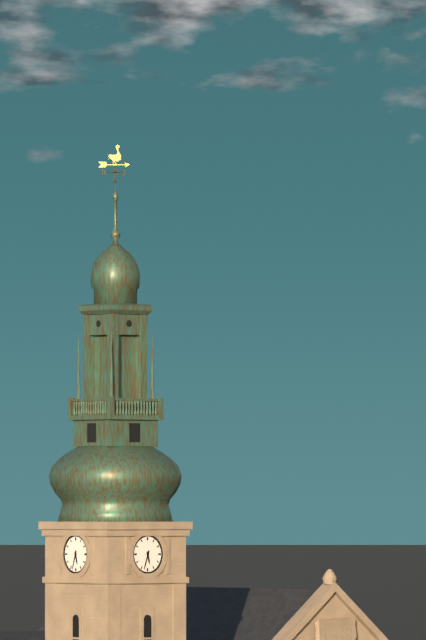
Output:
5:33
